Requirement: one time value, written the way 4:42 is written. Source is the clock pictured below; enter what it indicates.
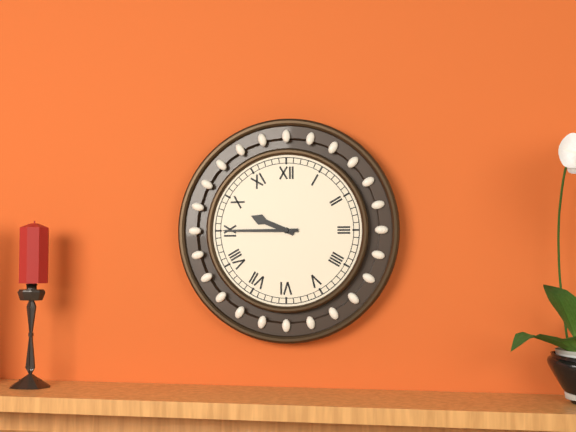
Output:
9:45
